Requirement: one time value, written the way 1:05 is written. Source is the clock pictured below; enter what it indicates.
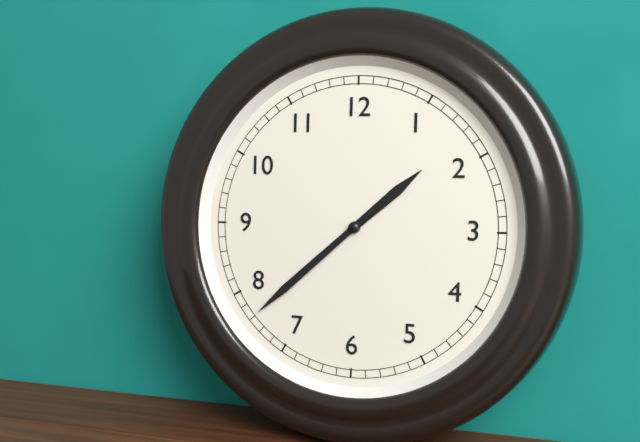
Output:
1:38
